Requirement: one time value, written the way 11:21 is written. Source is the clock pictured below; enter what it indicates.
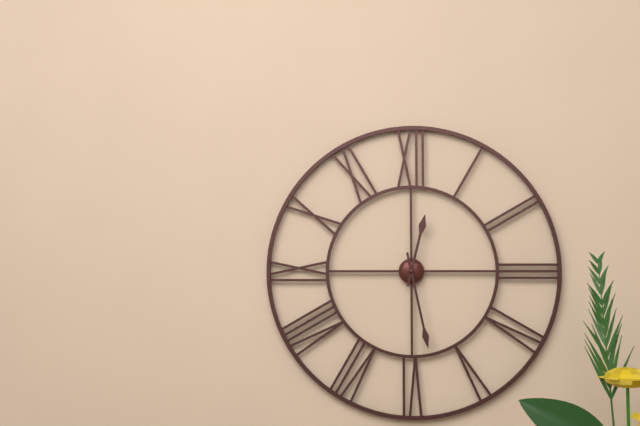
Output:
12:28
